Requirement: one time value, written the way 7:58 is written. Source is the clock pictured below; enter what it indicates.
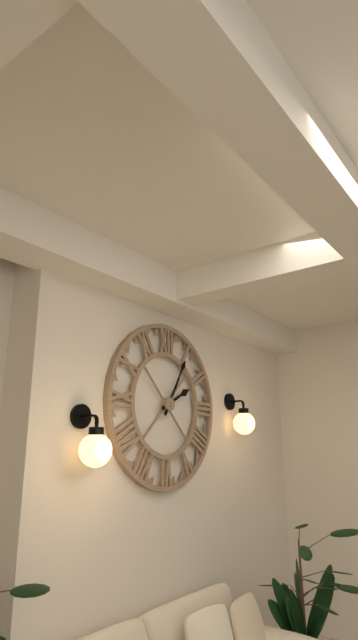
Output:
2:05
